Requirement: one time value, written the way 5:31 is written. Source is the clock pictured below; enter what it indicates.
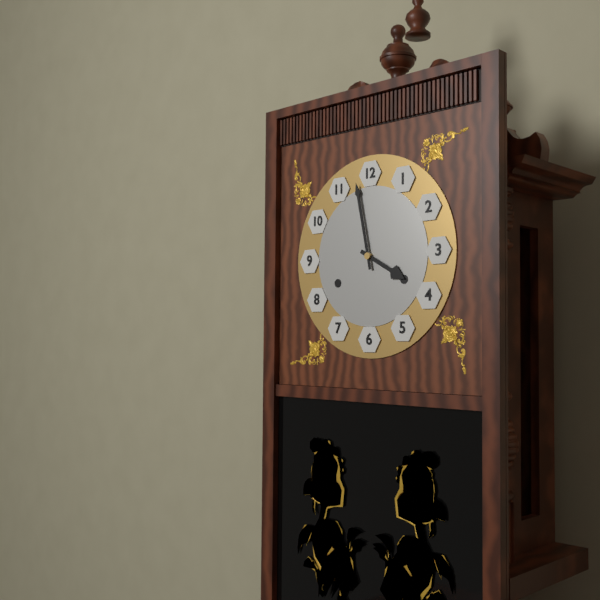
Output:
3:58
